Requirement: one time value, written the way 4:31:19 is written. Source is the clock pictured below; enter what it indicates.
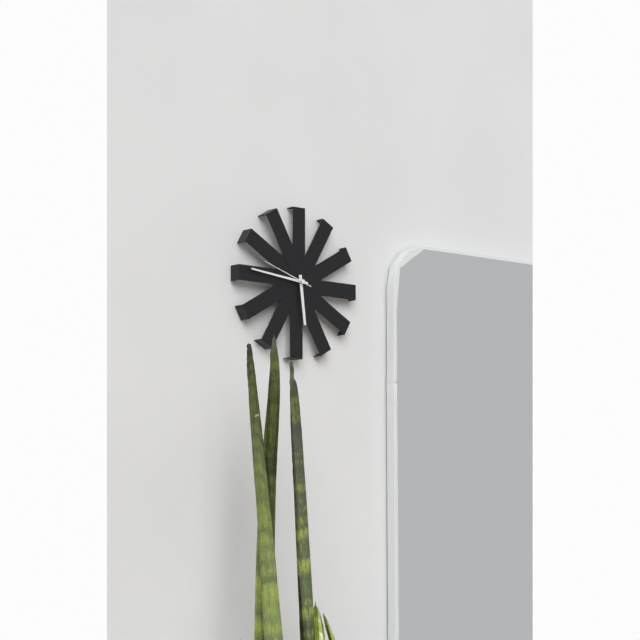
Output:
5:46:48
